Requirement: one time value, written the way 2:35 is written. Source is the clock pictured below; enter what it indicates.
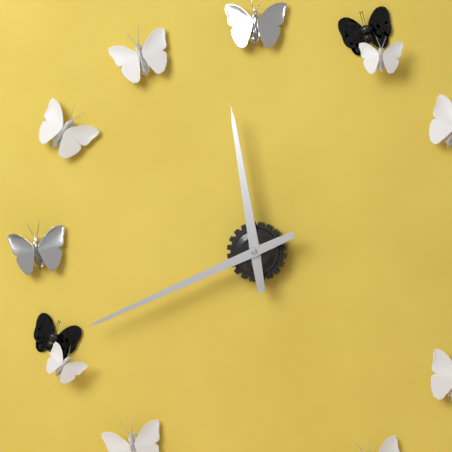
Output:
11:41
